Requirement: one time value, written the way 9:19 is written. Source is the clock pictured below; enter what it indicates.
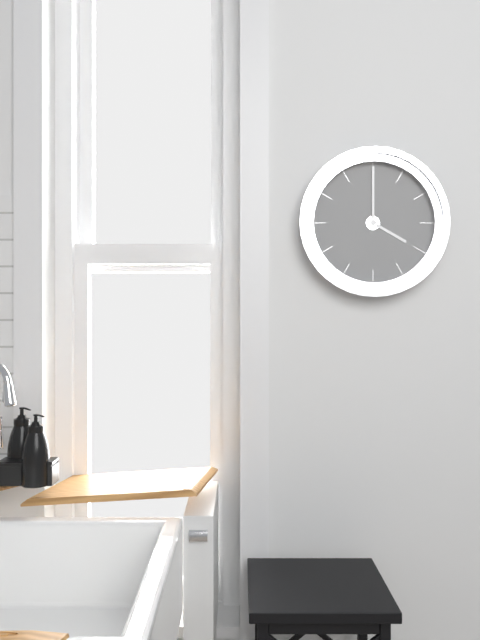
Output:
4:00
